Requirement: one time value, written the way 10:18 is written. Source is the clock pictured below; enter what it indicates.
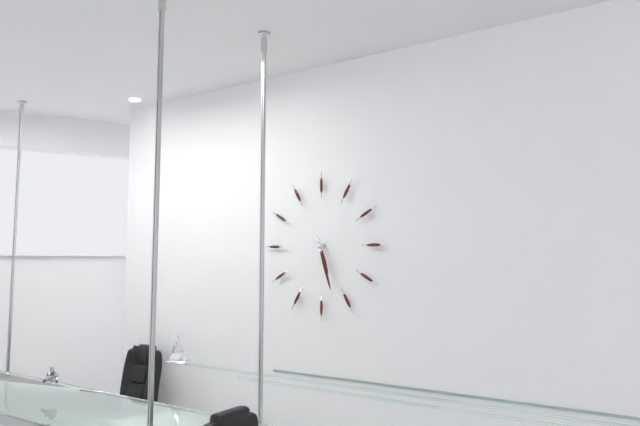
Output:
5:27
